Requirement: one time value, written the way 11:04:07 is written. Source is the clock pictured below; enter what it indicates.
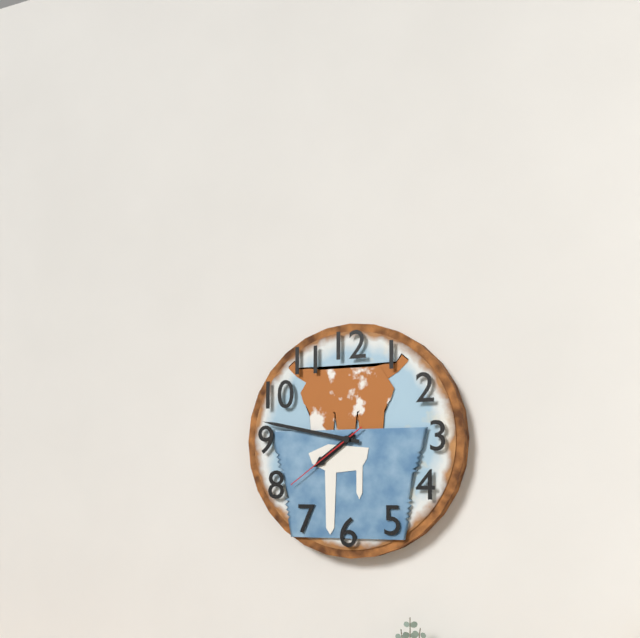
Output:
7:47:39
